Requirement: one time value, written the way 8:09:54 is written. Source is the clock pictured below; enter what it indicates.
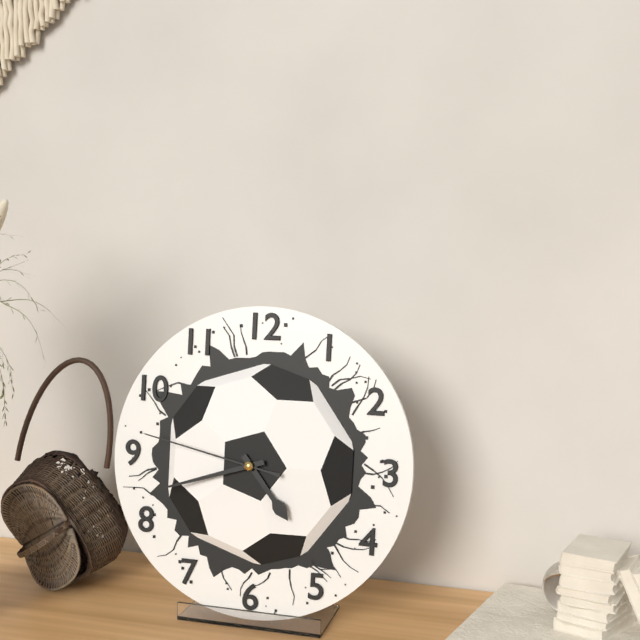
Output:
4:42:47
